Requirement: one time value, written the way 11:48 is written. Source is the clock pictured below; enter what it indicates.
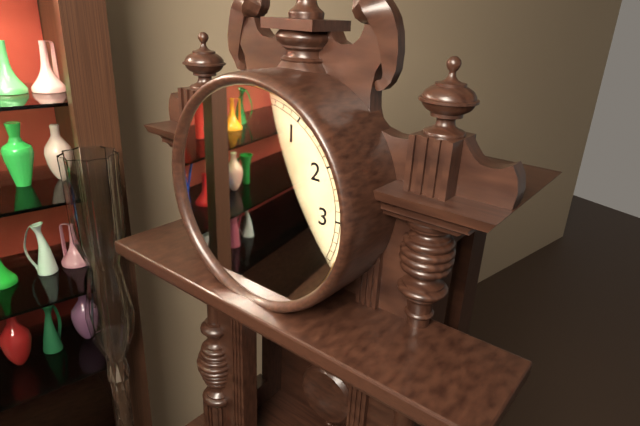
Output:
6:24
